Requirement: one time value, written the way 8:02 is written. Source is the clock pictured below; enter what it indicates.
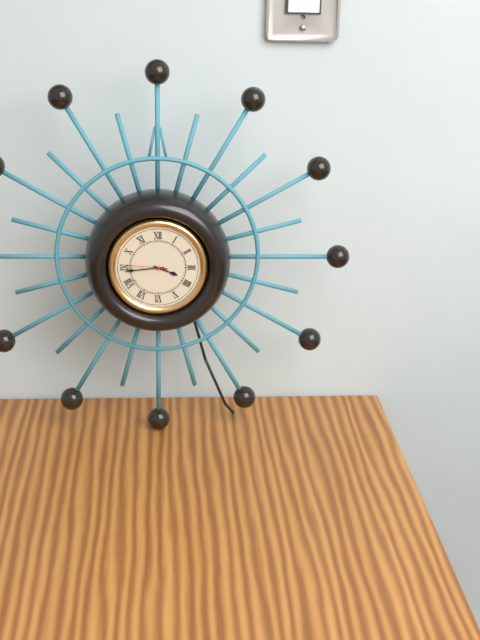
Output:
3:44
